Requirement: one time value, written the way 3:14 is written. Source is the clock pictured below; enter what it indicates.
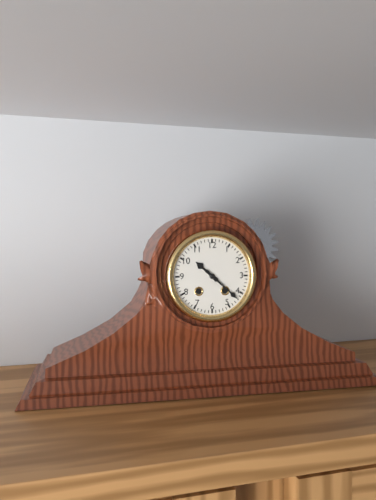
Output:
10:22
